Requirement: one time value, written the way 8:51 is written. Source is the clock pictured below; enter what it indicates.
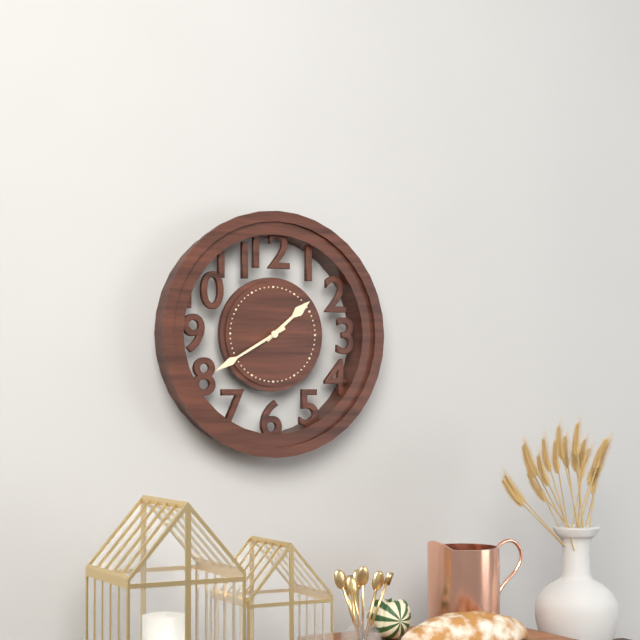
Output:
1:40
